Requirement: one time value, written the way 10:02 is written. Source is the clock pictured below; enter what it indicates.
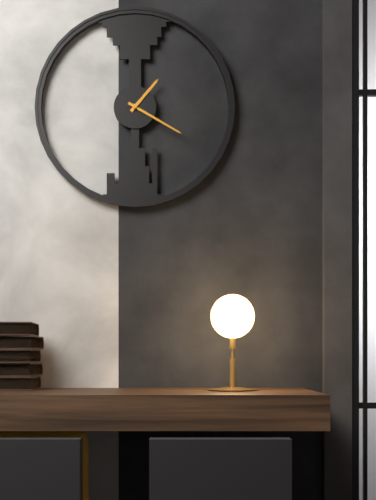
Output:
1:20
